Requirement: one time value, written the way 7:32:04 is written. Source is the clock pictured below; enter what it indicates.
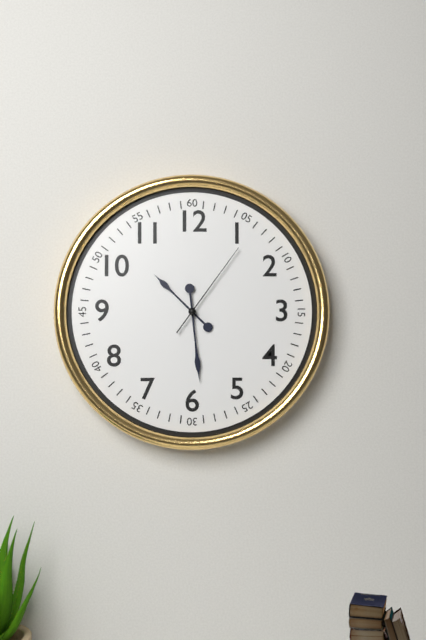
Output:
10:29:06
